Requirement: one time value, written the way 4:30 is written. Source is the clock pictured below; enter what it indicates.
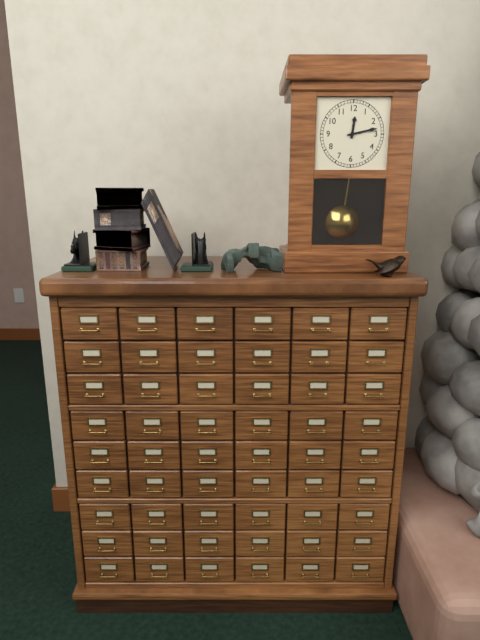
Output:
12:13
